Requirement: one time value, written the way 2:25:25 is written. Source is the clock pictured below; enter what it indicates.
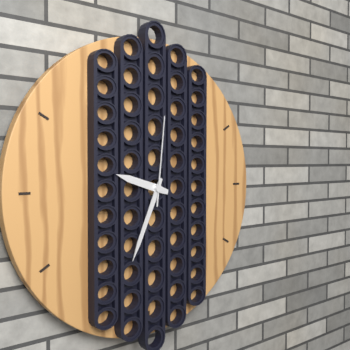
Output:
9:34:01
